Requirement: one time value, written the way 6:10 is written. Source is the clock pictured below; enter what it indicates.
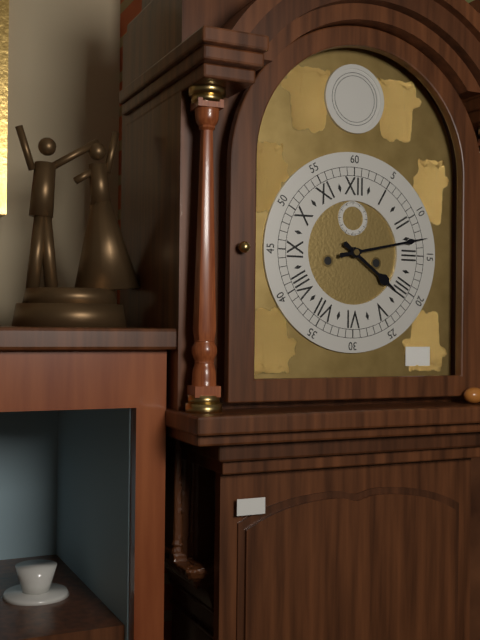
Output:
4:13
